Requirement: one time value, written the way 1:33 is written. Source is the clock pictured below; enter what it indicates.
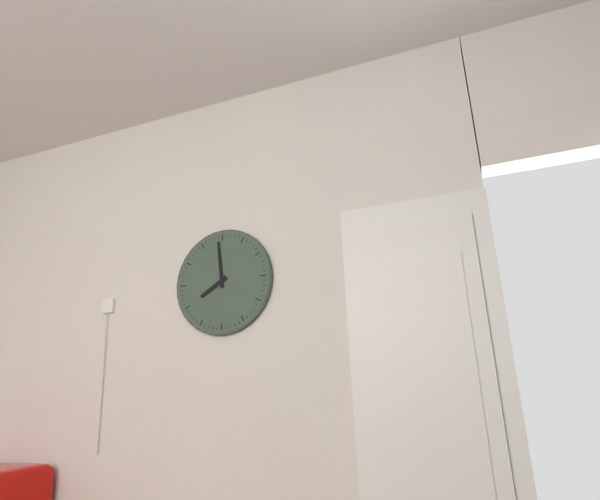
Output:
7:59
